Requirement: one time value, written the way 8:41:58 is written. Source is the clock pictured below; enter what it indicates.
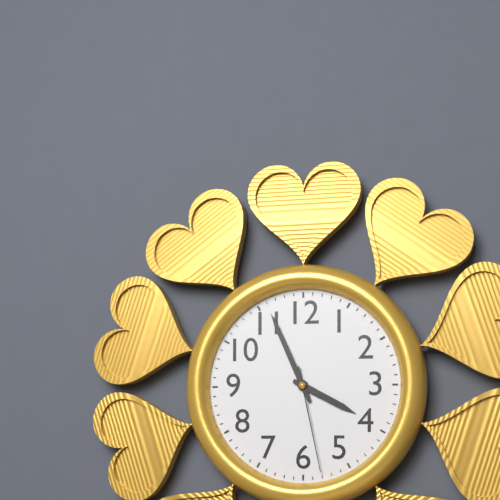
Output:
3:56:28
